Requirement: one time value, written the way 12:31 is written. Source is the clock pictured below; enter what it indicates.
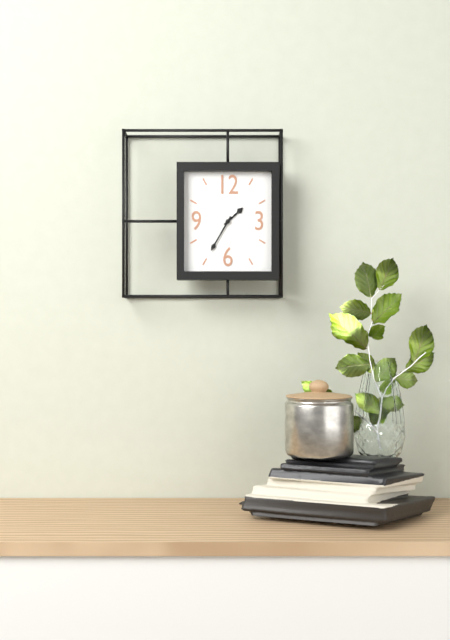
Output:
1:35
